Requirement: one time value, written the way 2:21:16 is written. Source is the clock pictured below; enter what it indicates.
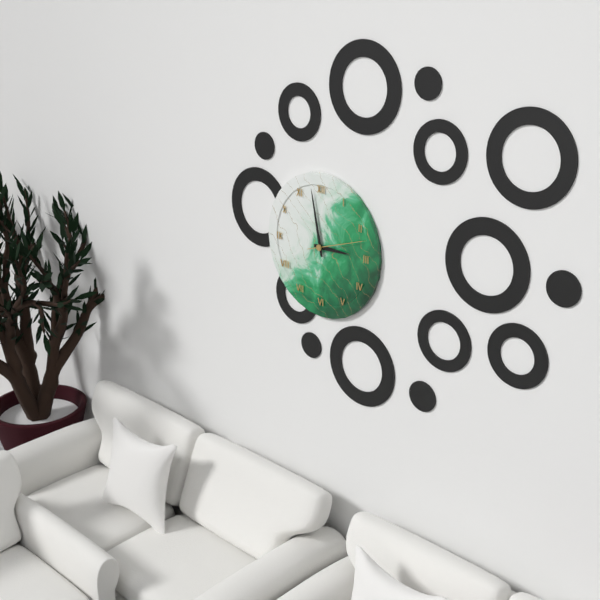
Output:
2:58:12
